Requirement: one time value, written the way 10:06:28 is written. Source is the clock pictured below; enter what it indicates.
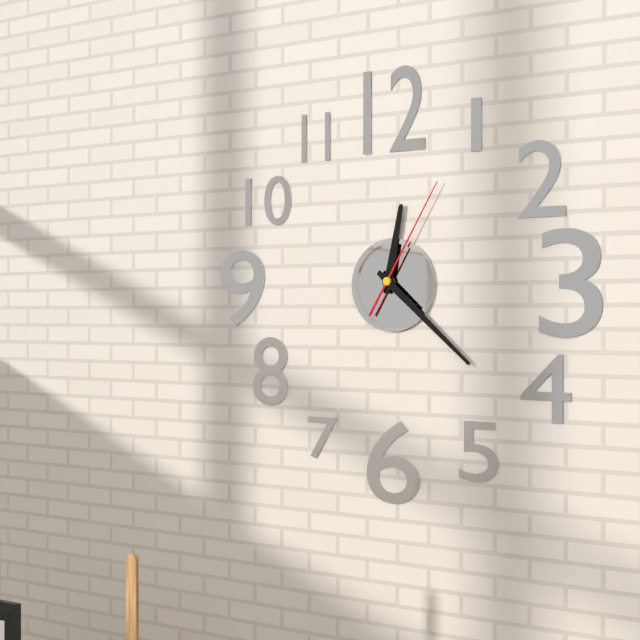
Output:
12:22:05
